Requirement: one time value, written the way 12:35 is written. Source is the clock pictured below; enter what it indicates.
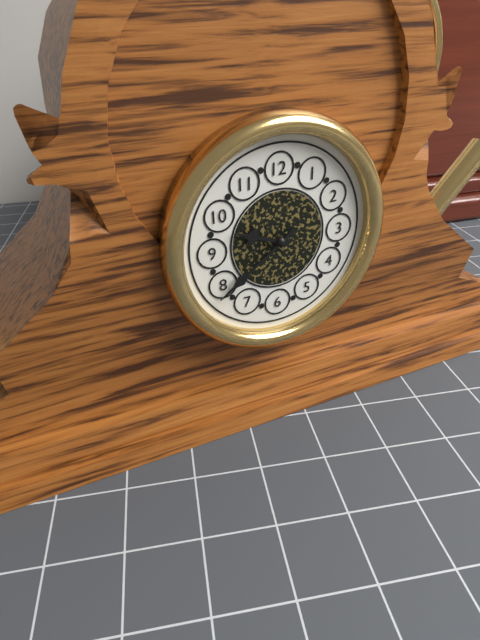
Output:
9:39
